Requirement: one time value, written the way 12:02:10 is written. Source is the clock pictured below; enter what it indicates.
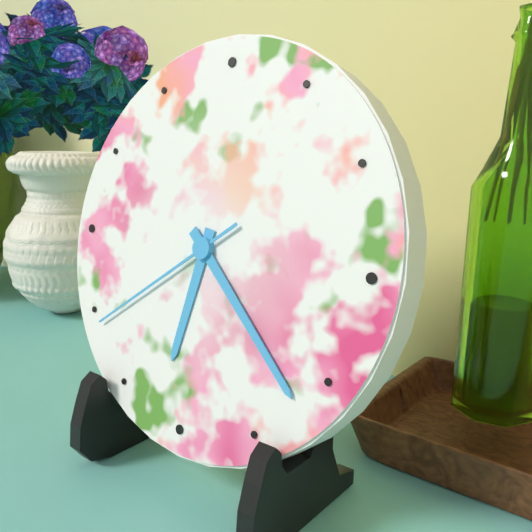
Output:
6:22:39
